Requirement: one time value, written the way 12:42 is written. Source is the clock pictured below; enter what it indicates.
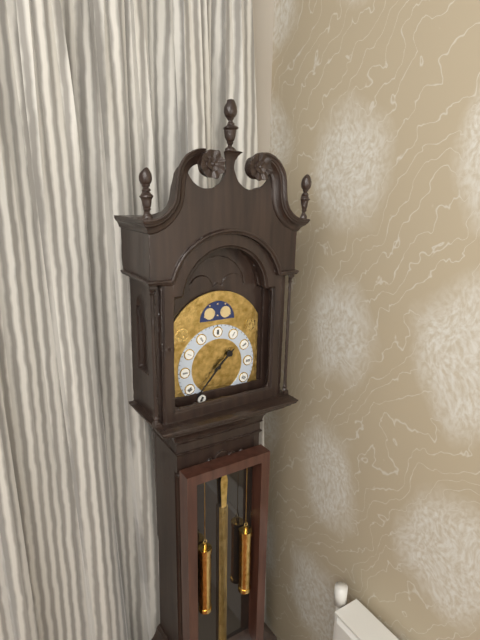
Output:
1:37
